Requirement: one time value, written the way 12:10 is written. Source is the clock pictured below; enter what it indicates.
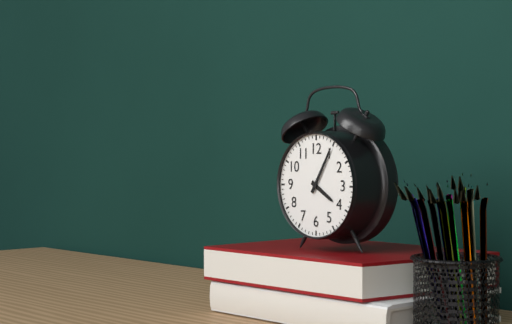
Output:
4:05
